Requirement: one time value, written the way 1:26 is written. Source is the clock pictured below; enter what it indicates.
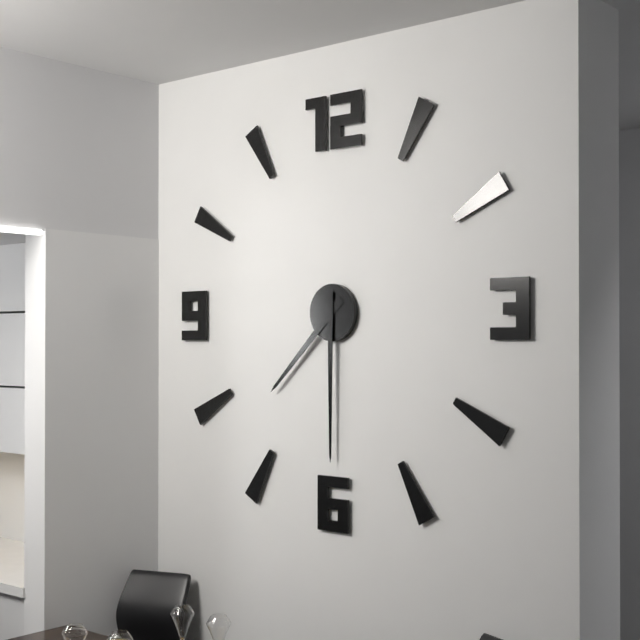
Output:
7:30
